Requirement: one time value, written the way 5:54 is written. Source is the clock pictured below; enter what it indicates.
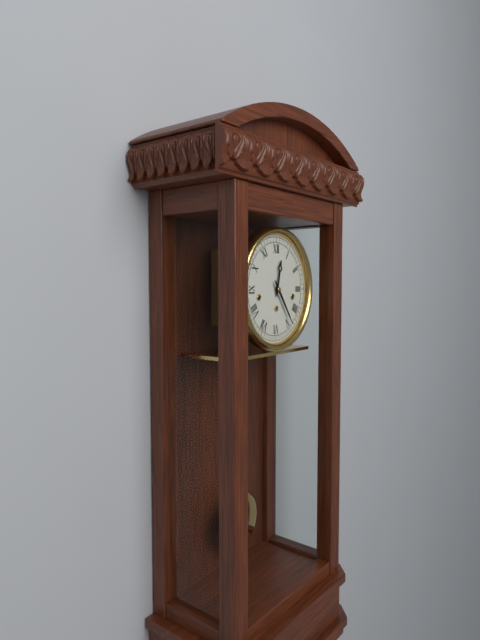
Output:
12:24
